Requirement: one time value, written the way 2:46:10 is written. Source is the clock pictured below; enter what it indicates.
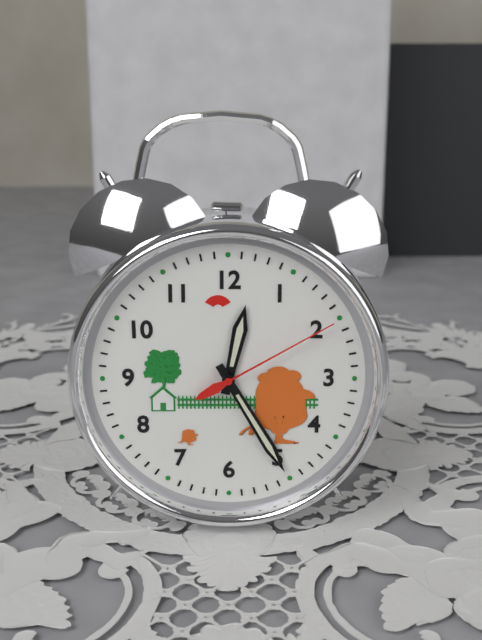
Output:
12:25:10
